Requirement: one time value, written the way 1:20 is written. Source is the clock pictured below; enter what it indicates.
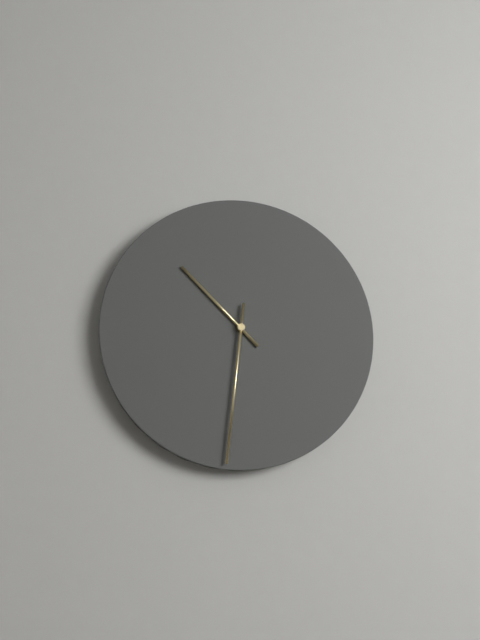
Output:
10:31
